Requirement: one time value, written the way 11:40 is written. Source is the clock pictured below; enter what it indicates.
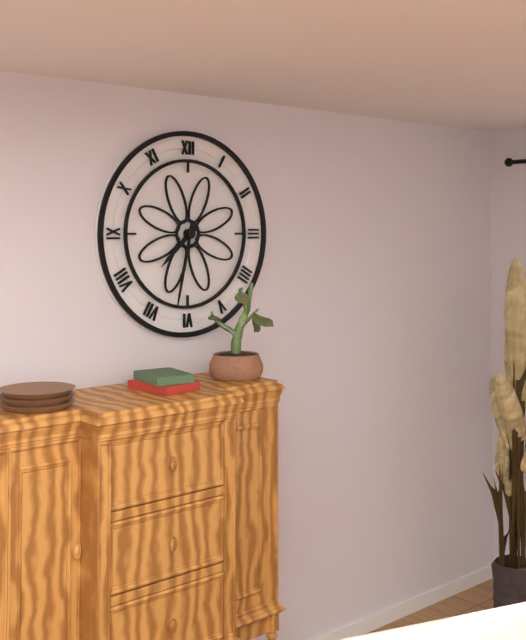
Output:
7:32
